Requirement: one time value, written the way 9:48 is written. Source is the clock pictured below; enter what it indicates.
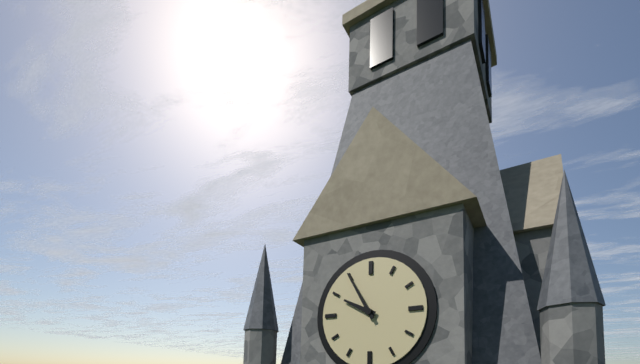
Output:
9:55
